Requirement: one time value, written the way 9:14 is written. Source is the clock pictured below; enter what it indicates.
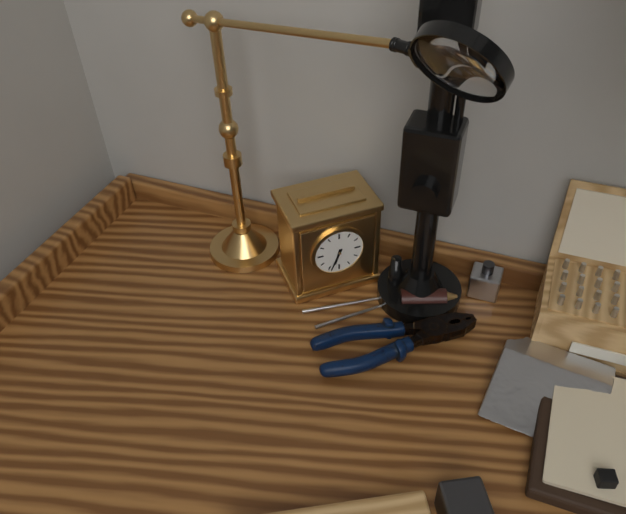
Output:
6:34
